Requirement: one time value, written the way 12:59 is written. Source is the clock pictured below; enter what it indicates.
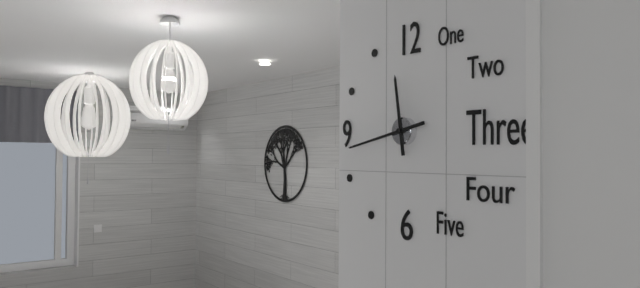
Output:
11:43
